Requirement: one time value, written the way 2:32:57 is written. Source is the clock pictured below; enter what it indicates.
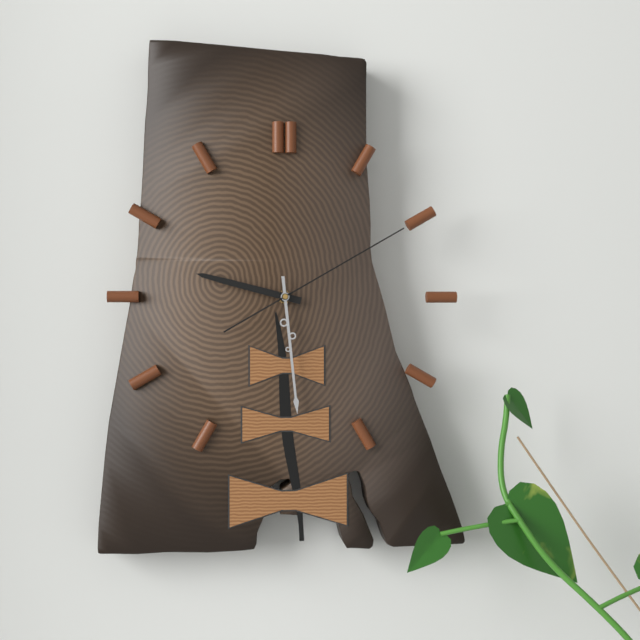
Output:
9:29:10
